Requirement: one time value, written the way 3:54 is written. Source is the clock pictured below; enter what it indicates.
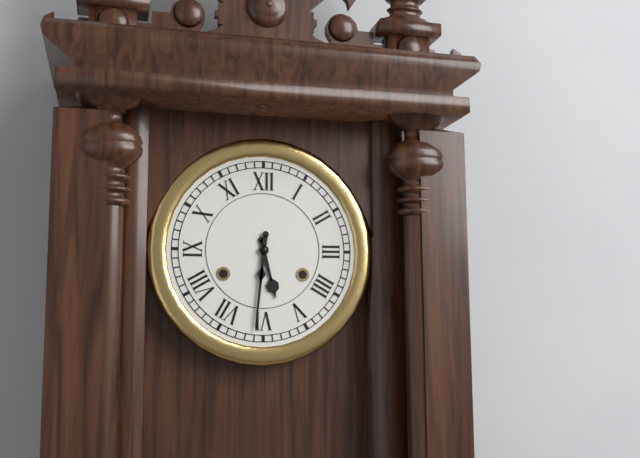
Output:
5:31
